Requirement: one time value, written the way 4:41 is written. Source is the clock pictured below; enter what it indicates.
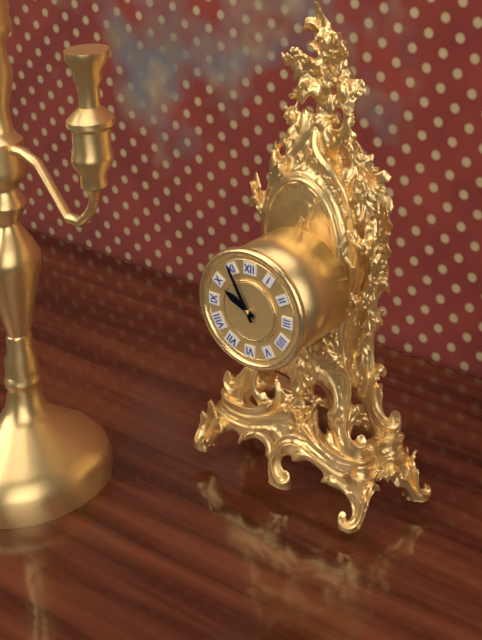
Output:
9:55
